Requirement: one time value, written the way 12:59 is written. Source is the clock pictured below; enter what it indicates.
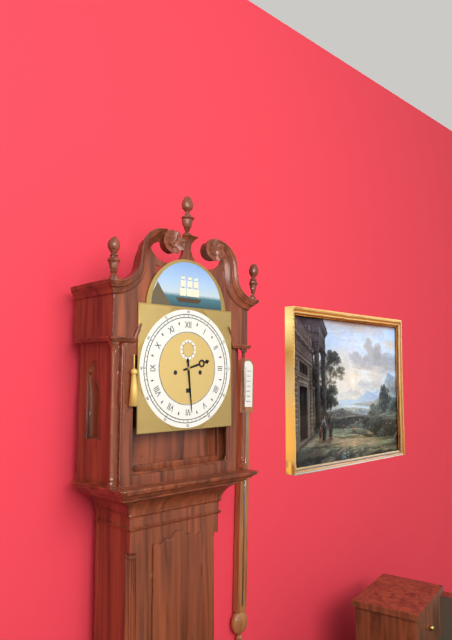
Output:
2:29
